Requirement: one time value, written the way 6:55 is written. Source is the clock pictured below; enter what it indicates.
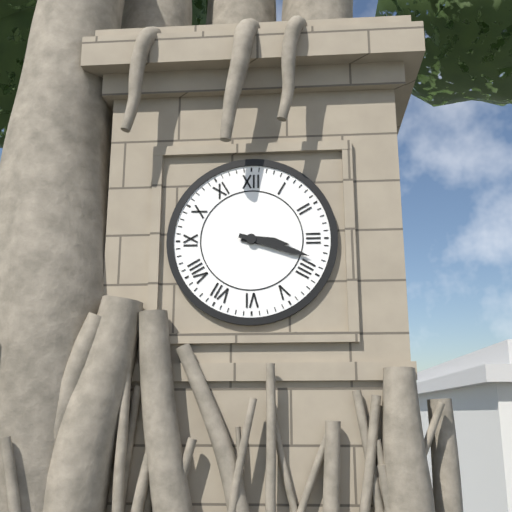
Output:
3:18
